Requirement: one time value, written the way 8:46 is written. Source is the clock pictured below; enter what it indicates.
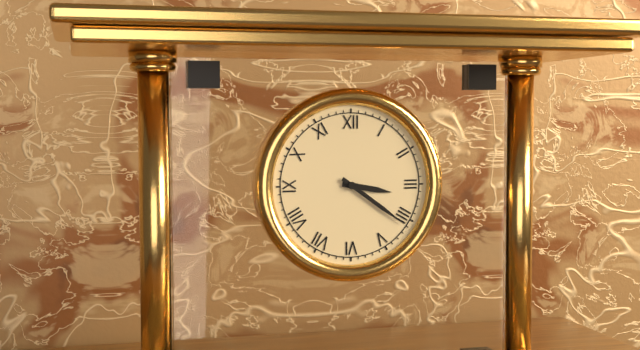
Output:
3:21
